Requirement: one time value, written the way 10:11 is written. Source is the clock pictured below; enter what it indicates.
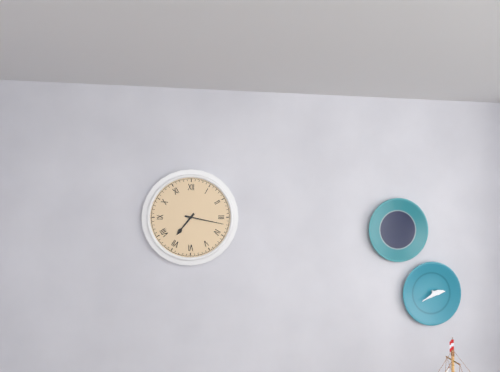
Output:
7:17
